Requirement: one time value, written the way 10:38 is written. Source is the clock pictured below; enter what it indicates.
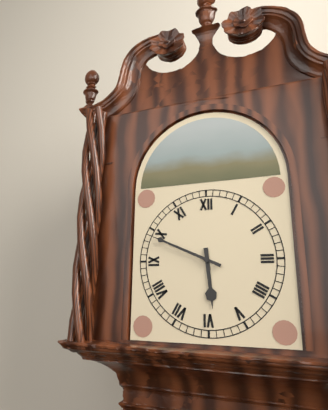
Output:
5:49
